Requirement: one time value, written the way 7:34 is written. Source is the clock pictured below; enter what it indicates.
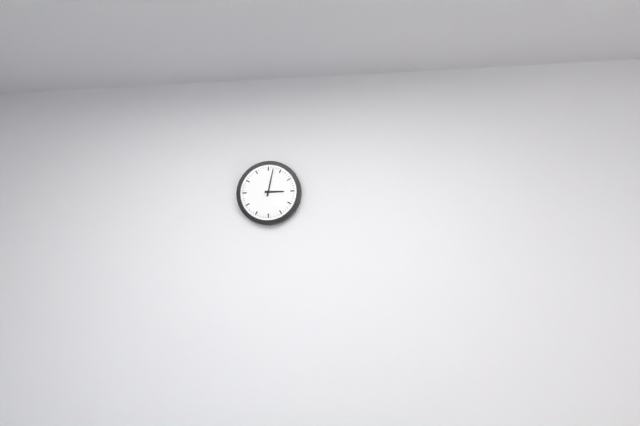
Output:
3:02
